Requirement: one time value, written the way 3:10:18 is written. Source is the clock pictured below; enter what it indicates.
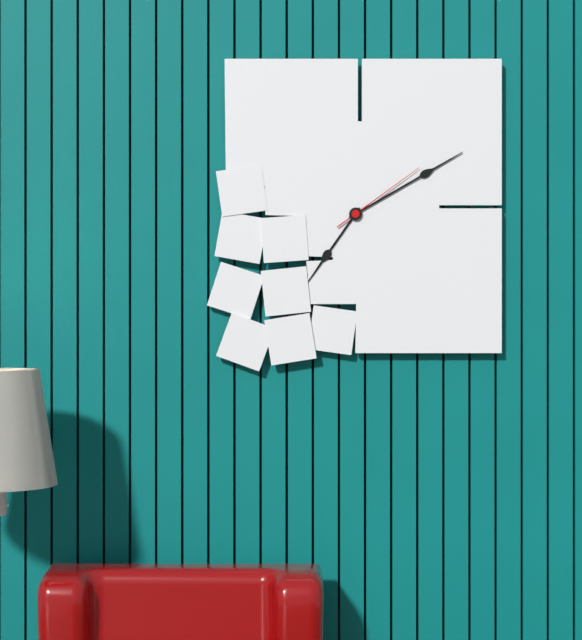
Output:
7:10:09
